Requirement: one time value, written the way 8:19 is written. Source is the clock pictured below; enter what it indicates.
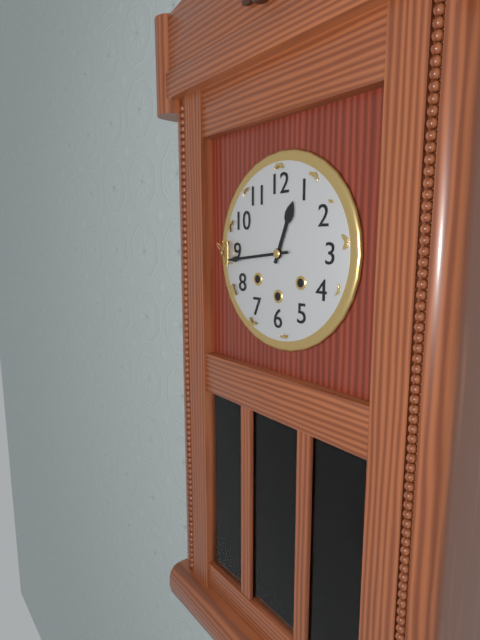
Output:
12:44
